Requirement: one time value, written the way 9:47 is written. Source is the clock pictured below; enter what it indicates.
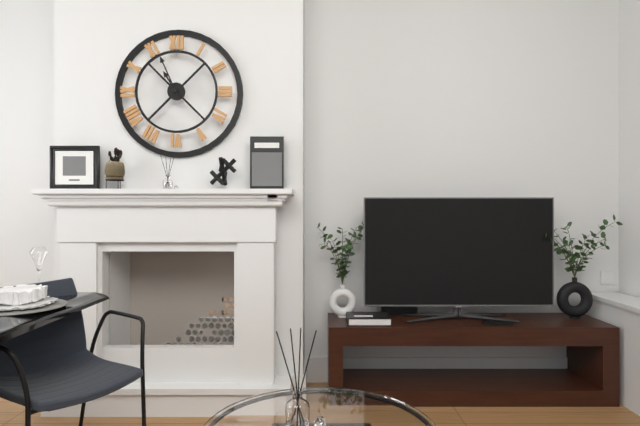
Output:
10:56
